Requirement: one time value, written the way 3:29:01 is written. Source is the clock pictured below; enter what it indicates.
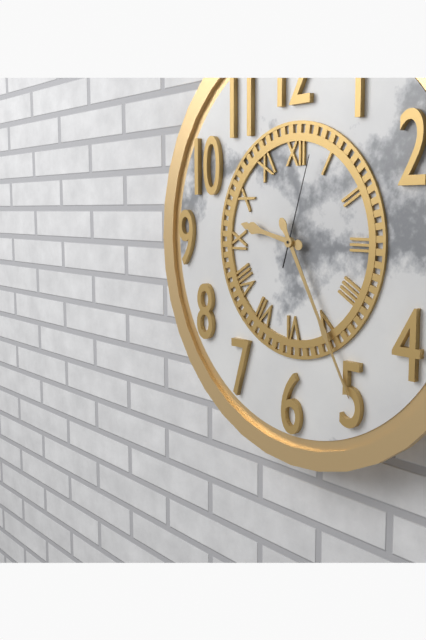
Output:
9:25:03
